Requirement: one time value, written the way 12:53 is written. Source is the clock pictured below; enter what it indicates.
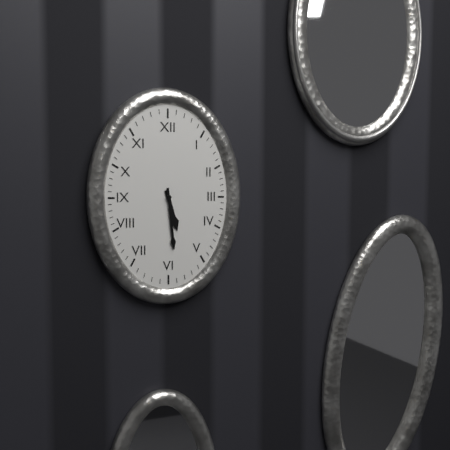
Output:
5:29
